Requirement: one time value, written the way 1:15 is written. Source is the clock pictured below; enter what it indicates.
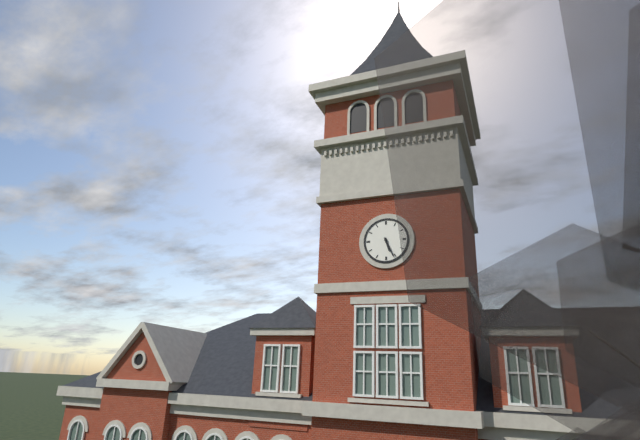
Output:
5:26
